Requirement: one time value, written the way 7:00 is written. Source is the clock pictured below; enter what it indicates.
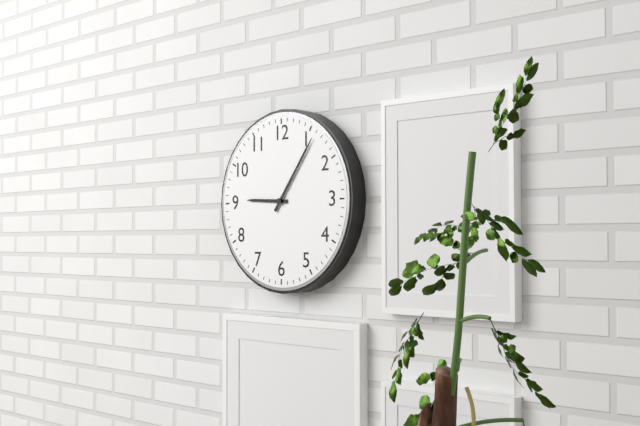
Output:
9:06
